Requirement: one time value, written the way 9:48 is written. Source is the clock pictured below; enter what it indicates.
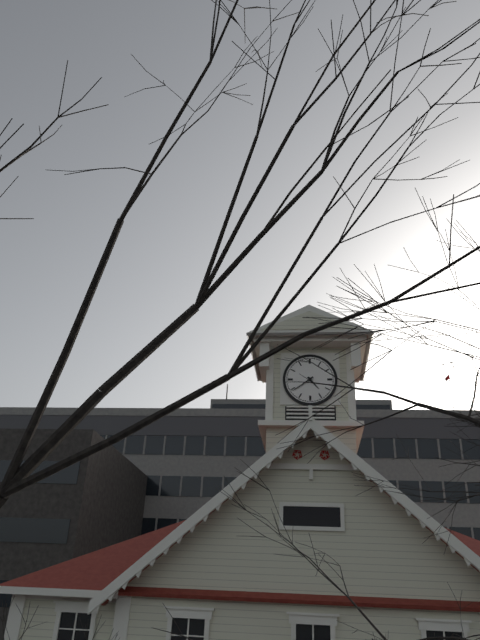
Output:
4:39
